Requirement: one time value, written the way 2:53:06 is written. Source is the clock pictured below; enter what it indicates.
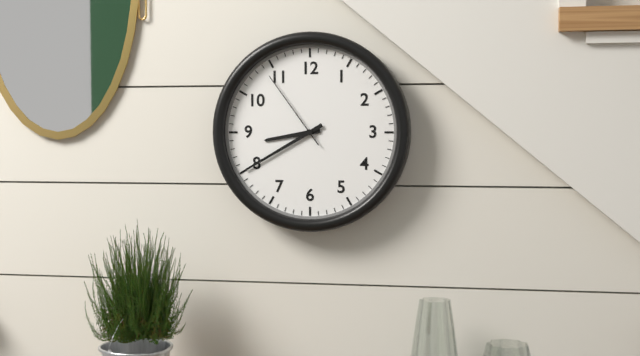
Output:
8:40:54
